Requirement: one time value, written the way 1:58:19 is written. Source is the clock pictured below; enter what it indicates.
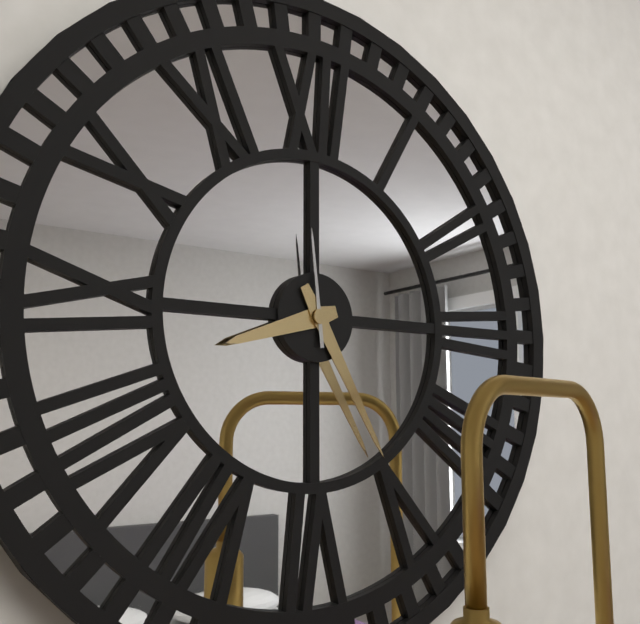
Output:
8:25:59
